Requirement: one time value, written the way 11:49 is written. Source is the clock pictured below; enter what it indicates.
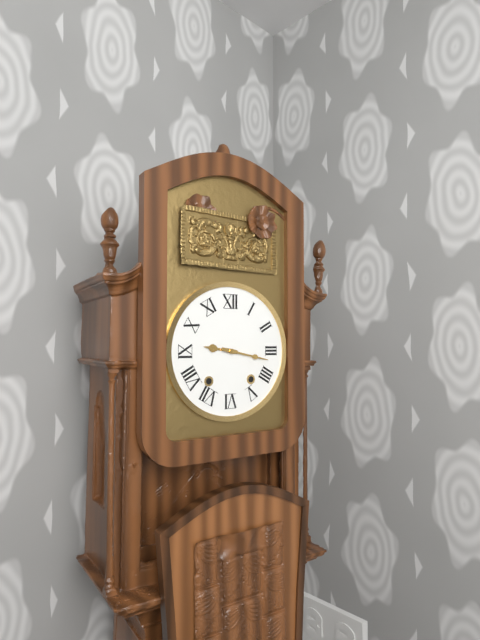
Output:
9:17
